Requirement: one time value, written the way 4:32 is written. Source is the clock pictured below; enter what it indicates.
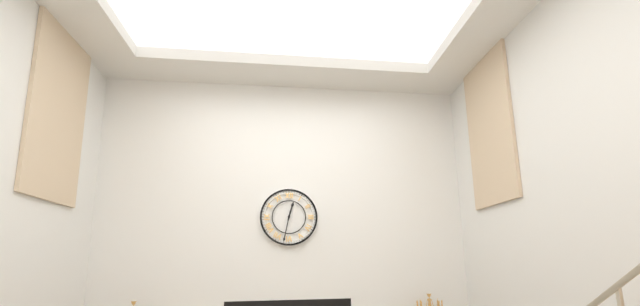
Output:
12:32
